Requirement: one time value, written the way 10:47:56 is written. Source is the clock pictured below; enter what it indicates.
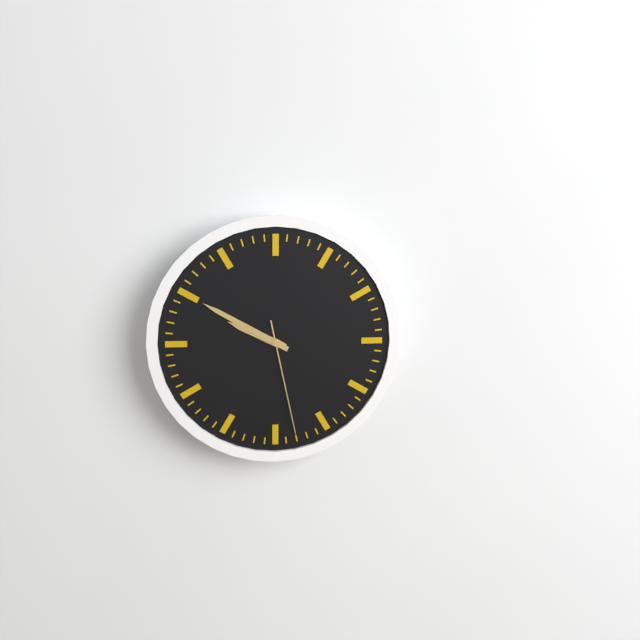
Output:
9:50:28
